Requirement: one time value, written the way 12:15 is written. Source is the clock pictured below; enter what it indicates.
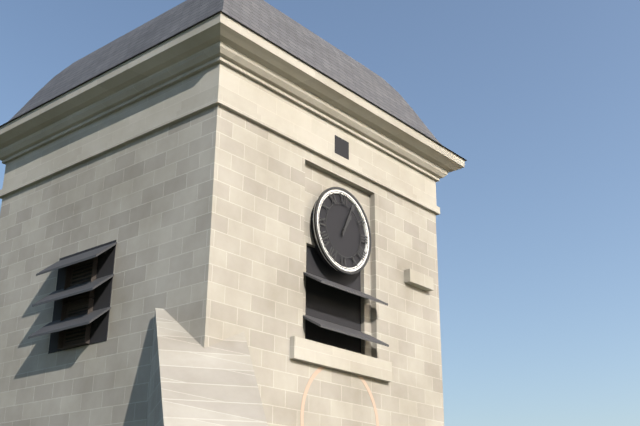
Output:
1:04
